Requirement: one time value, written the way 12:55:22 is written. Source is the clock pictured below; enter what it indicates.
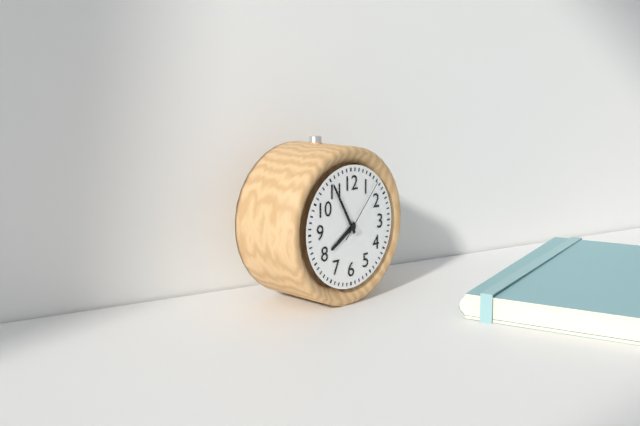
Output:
7:55:07
